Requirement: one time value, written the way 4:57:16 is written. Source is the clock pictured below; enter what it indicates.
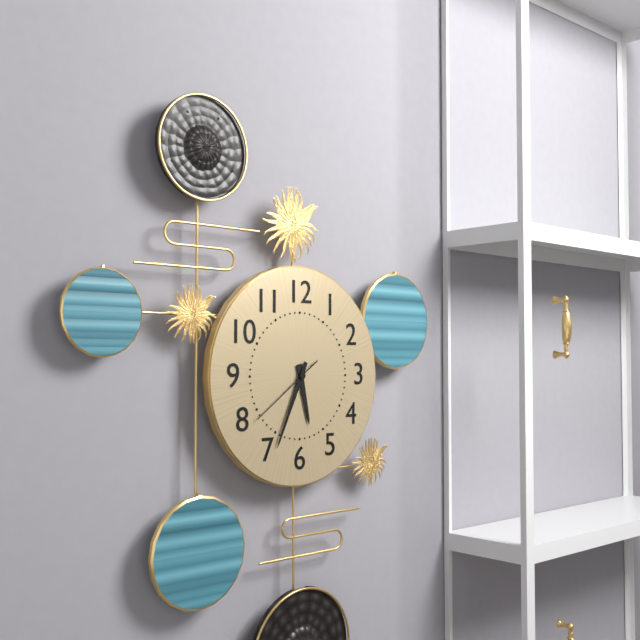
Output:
5:34:39
